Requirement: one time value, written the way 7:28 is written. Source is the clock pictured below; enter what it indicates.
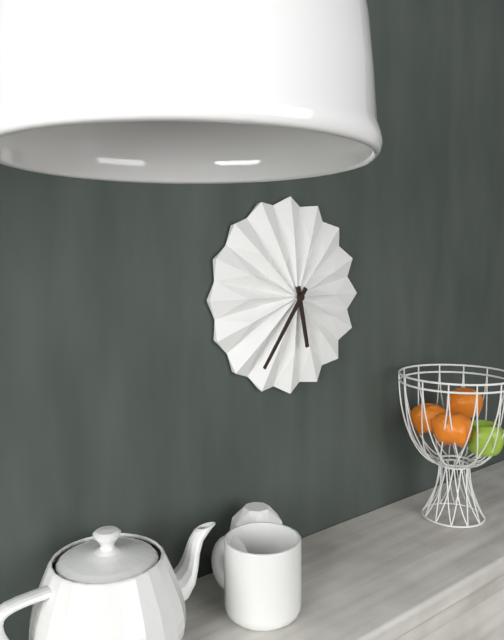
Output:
5:36
